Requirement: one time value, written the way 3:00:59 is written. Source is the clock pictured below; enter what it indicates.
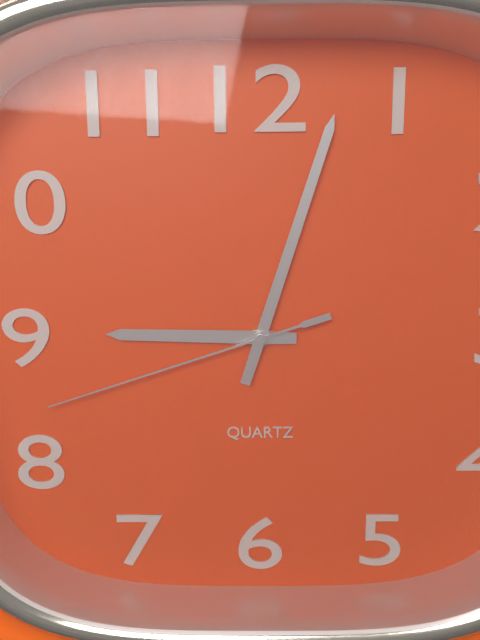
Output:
9:03:42
